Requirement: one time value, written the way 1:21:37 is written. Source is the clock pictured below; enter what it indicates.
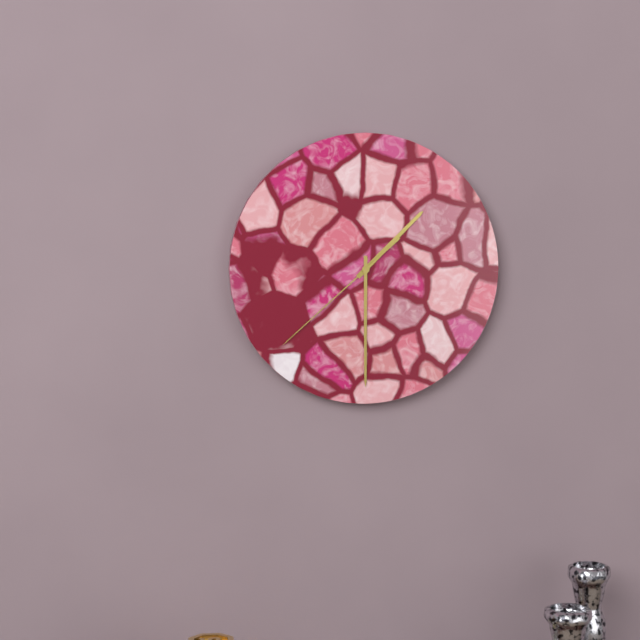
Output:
1:30:38
